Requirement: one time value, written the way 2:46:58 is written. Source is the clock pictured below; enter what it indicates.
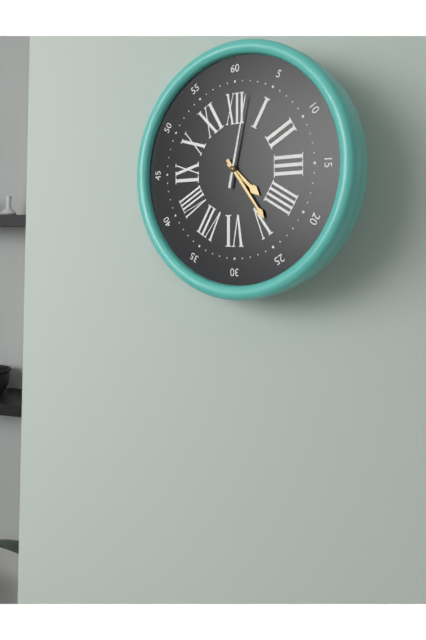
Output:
4:24:02
